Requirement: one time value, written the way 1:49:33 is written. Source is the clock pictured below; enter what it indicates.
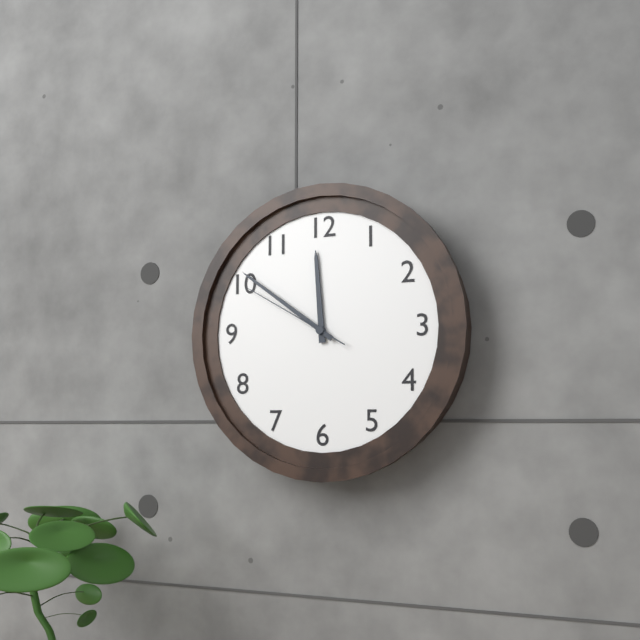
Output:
11:51:50
